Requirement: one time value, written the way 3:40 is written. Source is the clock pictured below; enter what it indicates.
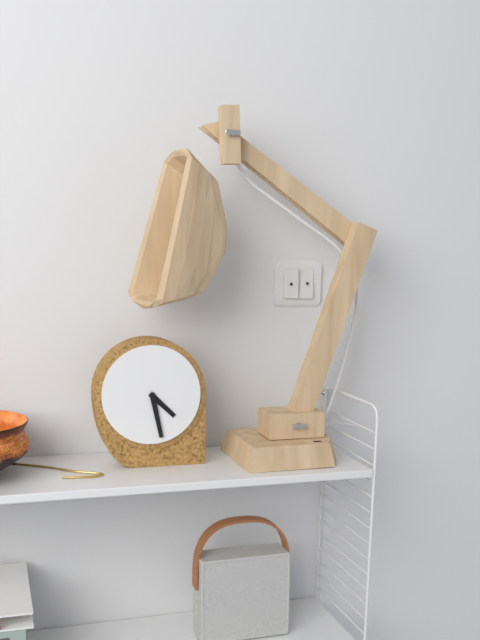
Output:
4:28
